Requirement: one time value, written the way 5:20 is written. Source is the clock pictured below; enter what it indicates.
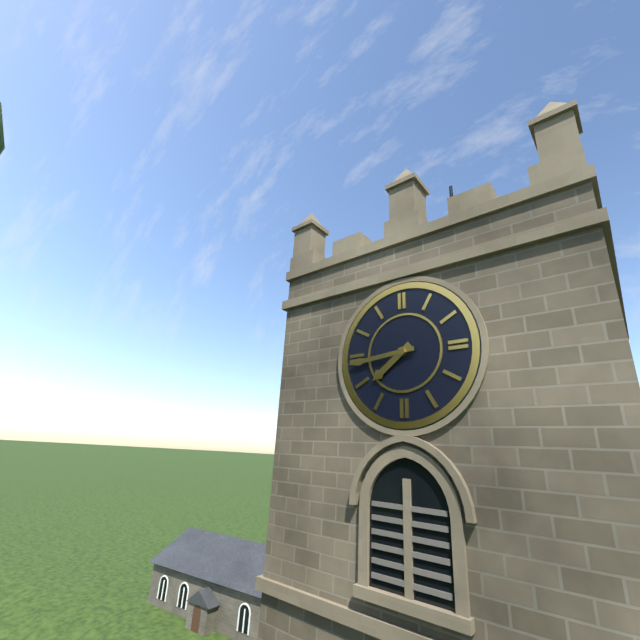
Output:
7:44
